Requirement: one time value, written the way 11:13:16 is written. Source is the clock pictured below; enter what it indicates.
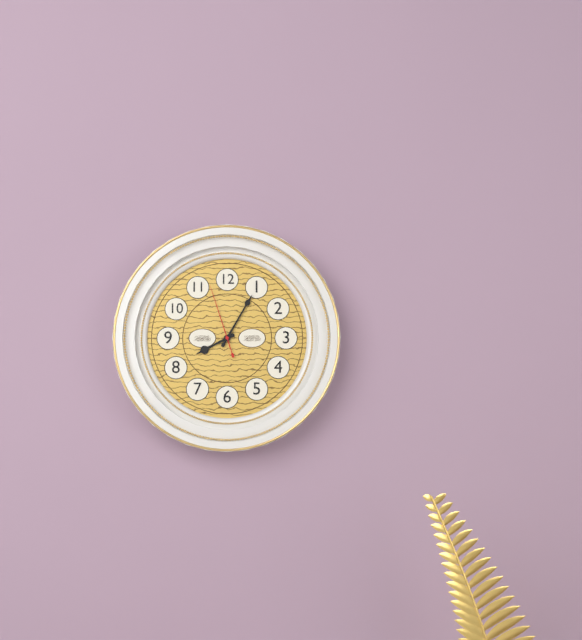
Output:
8:05:57
